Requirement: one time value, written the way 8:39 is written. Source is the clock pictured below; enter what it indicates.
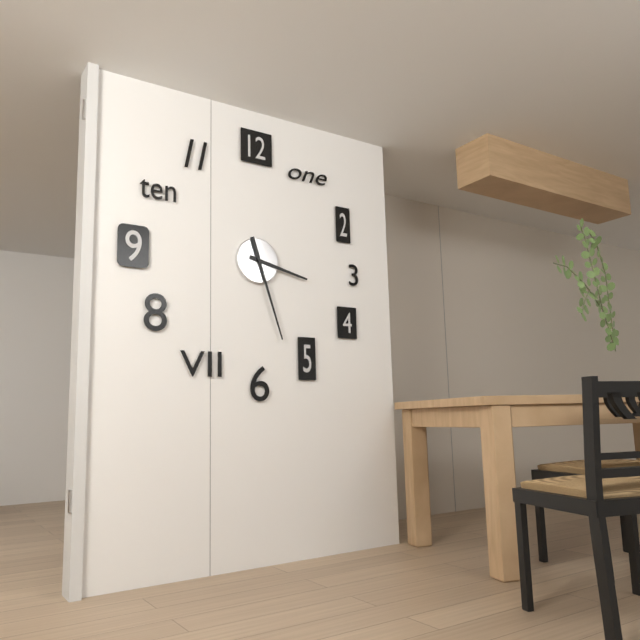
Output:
3:27
